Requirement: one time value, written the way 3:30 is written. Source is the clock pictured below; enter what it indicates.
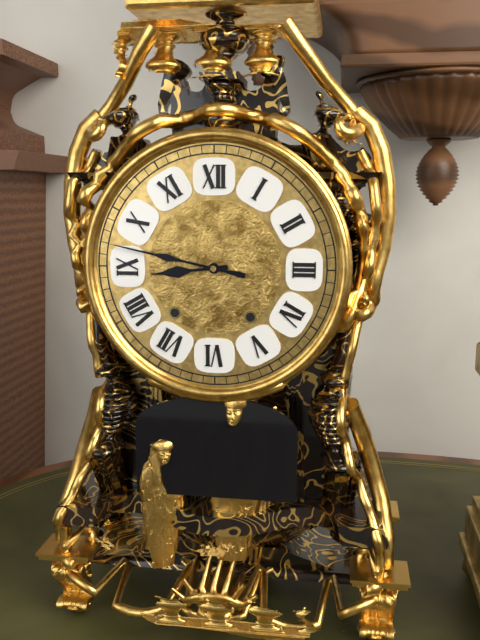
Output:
8:47
